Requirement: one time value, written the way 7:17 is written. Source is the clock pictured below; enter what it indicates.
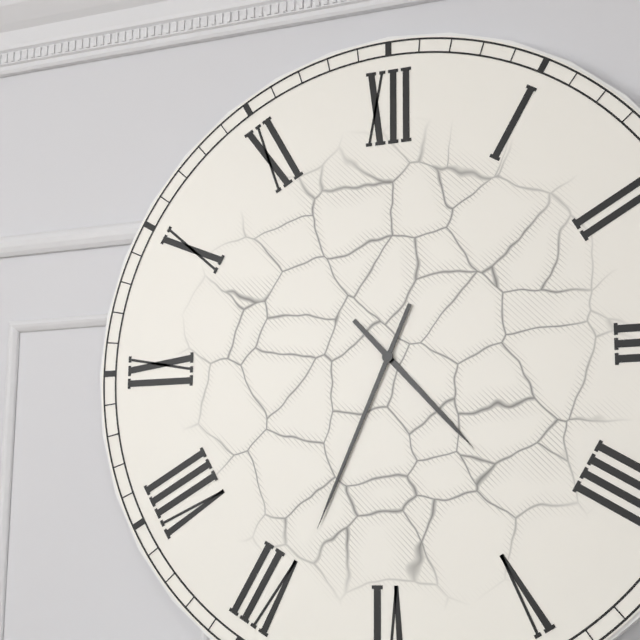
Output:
4:34
